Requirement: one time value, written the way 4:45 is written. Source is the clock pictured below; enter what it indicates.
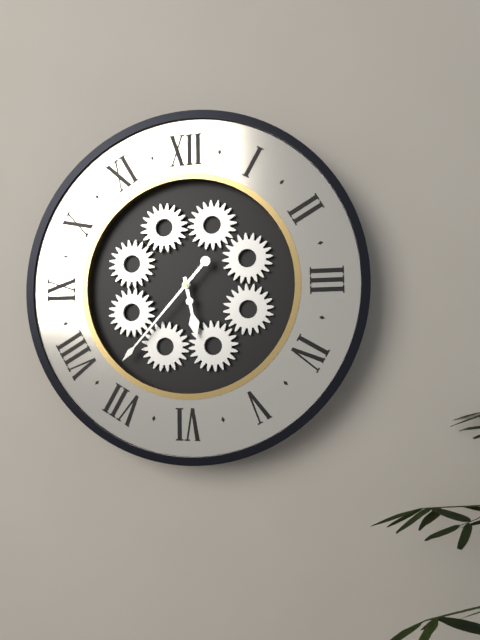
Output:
5:37
